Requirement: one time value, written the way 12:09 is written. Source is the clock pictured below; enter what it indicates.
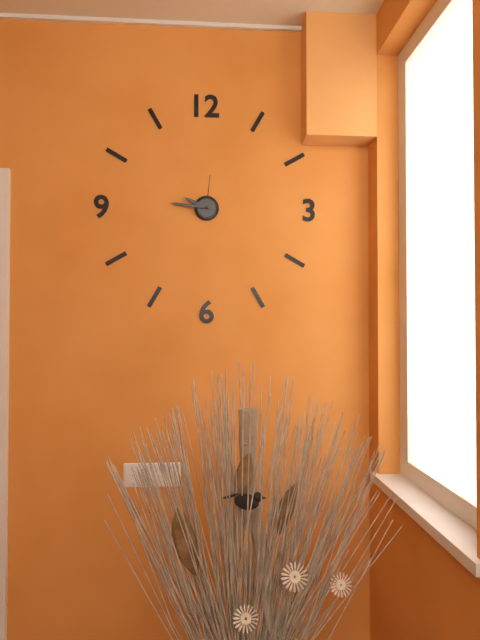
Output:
9:46
